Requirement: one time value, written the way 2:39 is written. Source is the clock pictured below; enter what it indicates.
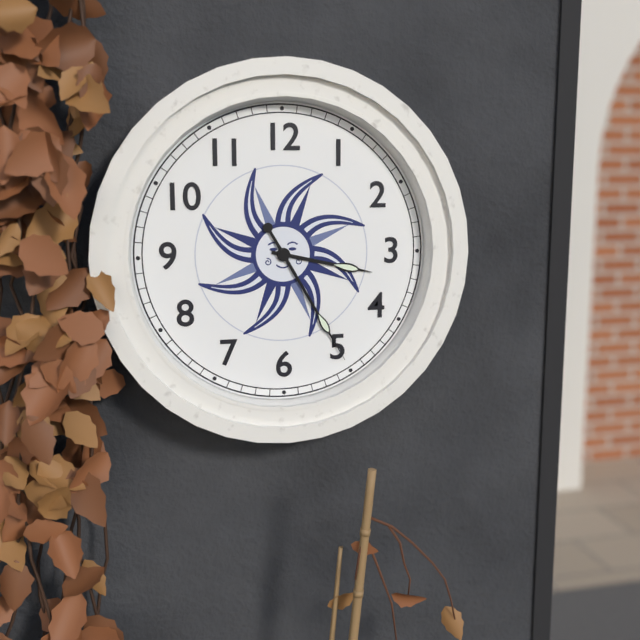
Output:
3:25
